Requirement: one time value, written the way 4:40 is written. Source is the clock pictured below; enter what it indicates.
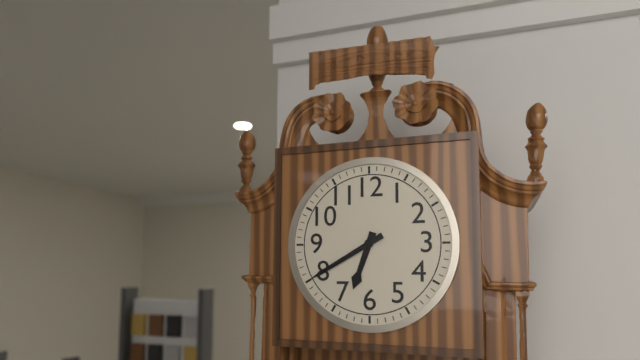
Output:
6:40
